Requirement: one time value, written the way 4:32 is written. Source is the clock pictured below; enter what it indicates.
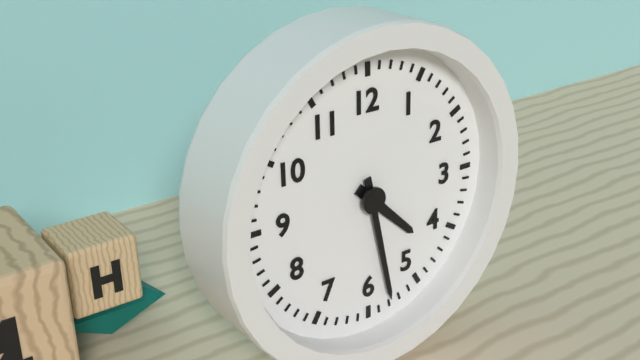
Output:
4:28
